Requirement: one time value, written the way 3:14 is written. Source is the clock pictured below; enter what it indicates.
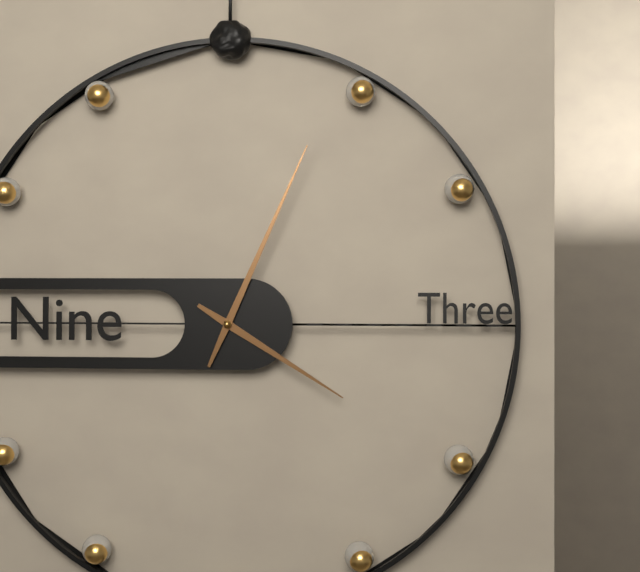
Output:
4:04
